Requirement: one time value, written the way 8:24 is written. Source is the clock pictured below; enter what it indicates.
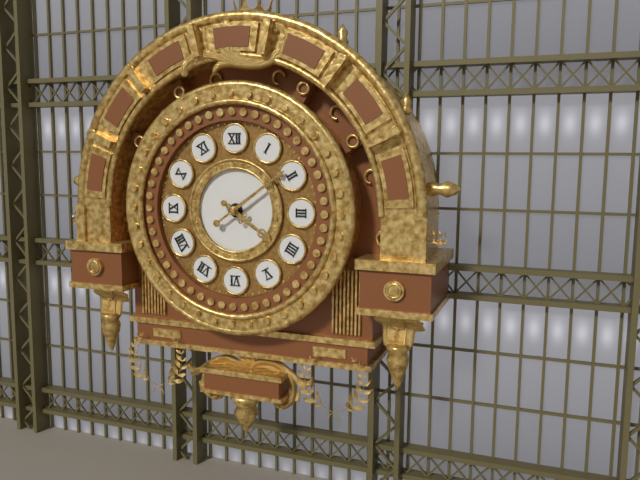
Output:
4:09
